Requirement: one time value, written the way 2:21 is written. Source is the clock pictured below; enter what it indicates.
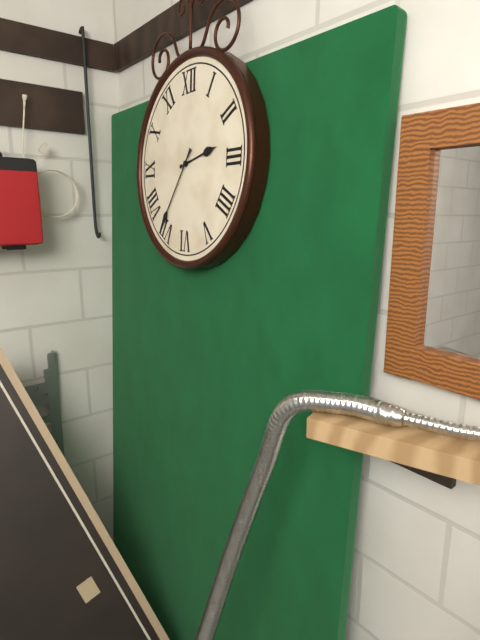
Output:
2:36
